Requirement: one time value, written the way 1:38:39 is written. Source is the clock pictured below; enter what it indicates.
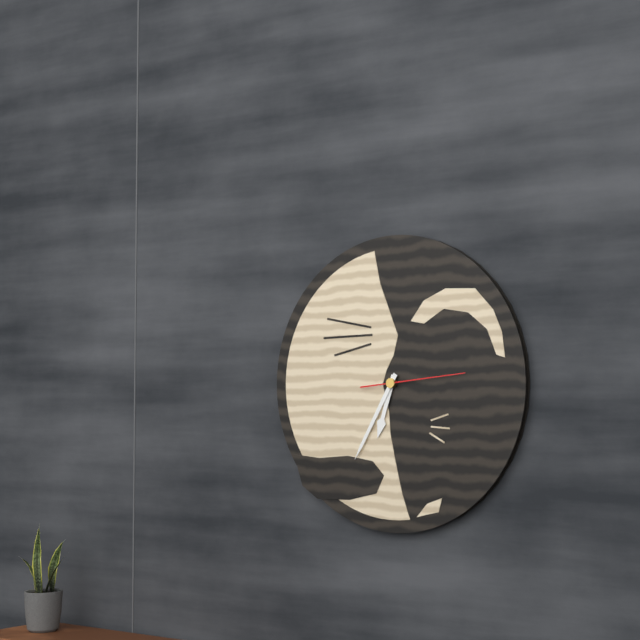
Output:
6:35:14
